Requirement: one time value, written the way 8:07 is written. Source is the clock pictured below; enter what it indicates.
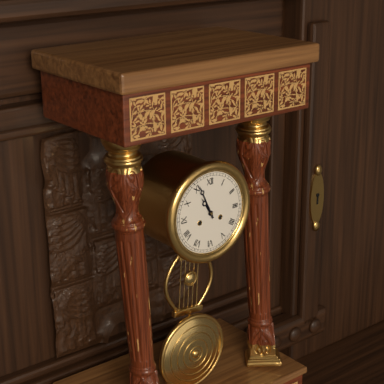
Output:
10:56
